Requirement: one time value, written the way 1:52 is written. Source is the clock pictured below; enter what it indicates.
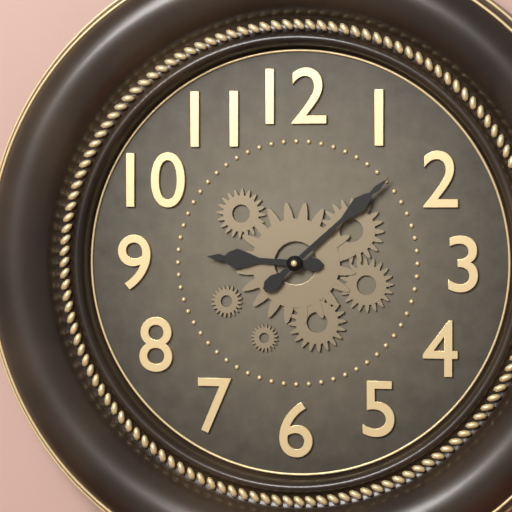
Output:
9:08
